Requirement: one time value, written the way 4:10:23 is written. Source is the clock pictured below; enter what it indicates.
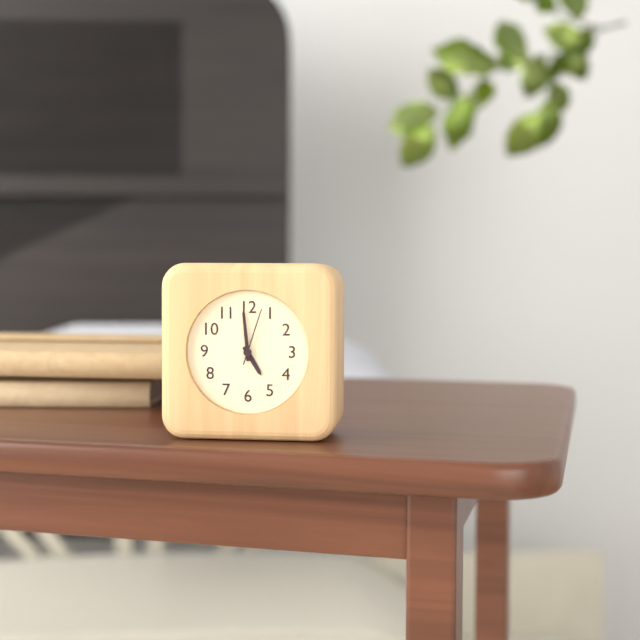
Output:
4:59:03
